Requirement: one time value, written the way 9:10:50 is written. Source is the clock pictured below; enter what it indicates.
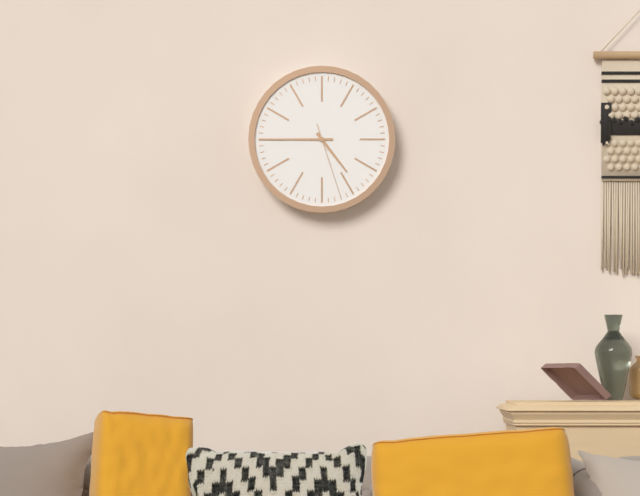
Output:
4:45:27
